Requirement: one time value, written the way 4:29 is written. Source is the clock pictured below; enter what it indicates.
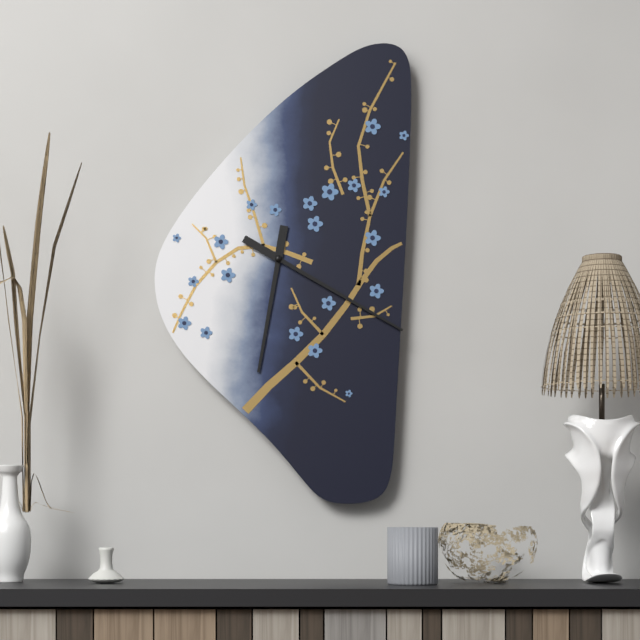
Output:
6:20
